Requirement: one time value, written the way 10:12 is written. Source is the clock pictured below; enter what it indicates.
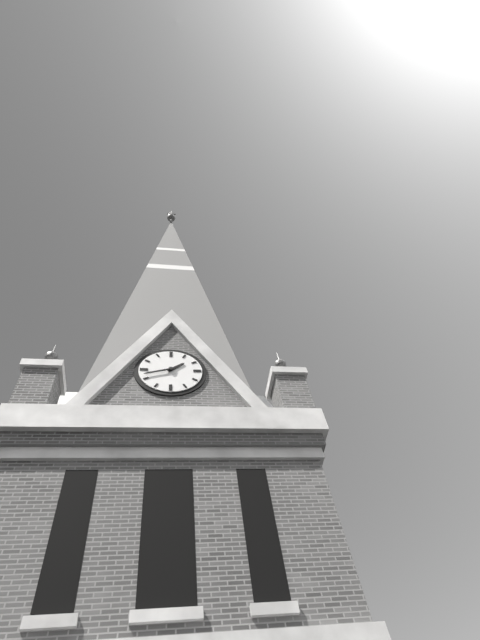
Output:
1:42
